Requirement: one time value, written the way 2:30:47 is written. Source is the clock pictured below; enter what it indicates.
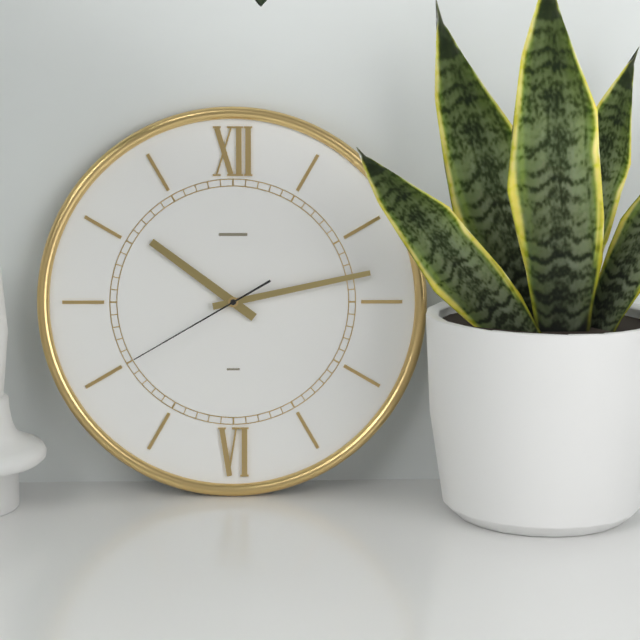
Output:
10:13:40
